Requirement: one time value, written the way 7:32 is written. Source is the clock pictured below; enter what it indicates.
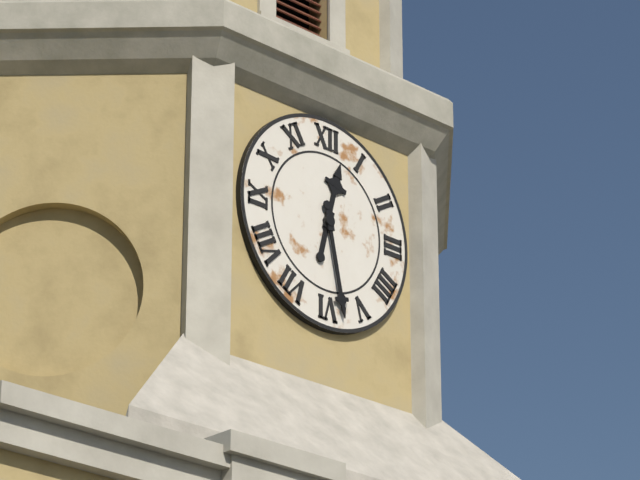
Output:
12:28
